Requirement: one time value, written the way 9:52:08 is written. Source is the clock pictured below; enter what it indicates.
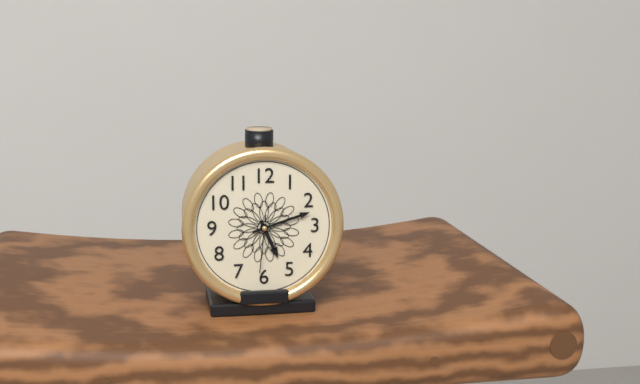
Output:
5:12:31
